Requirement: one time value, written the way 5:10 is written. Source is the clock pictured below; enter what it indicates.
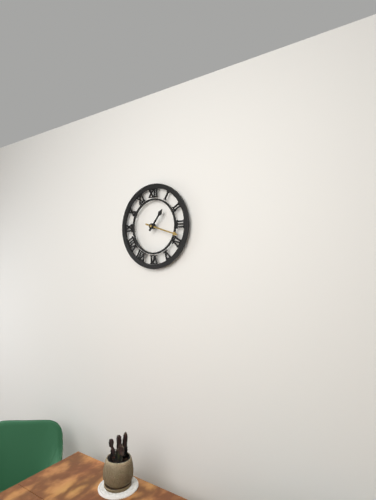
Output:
1:18
